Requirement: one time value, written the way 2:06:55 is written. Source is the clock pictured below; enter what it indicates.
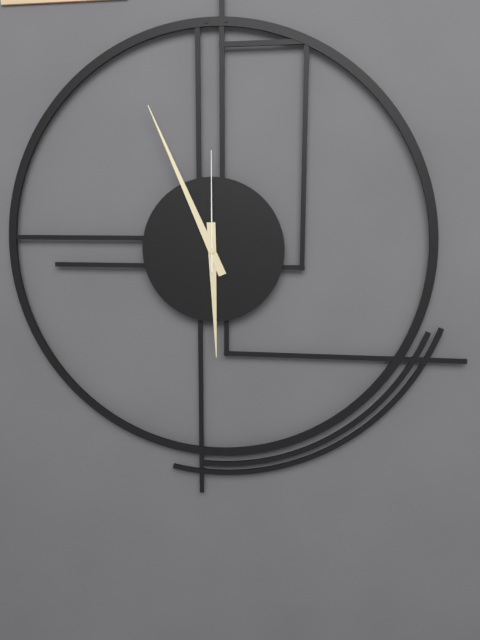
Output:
5:56:00
